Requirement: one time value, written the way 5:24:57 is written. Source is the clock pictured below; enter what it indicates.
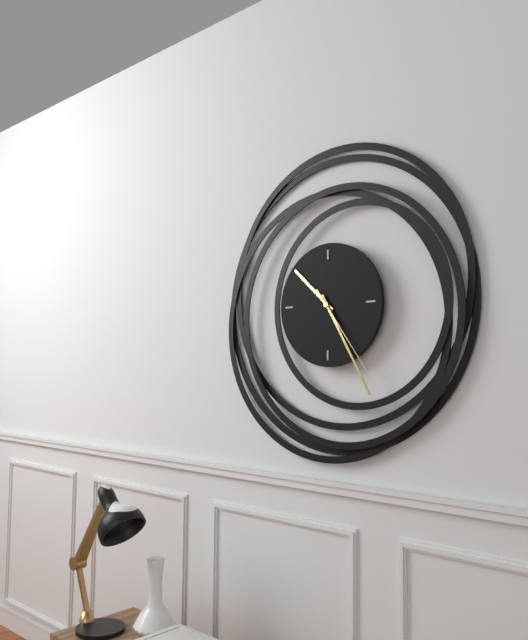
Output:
10:25:24
